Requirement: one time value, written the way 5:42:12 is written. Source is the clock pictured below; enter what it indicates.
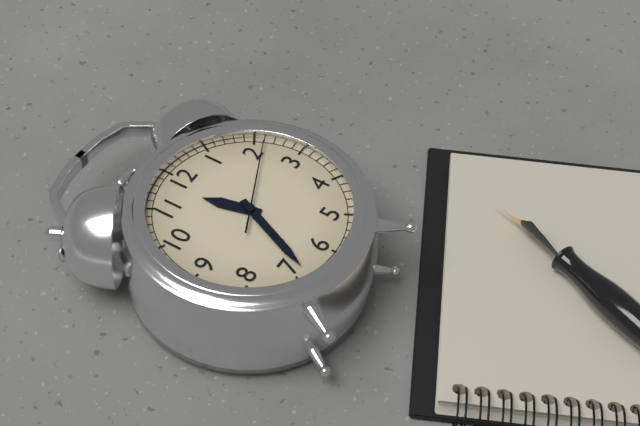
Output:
11:34:11
